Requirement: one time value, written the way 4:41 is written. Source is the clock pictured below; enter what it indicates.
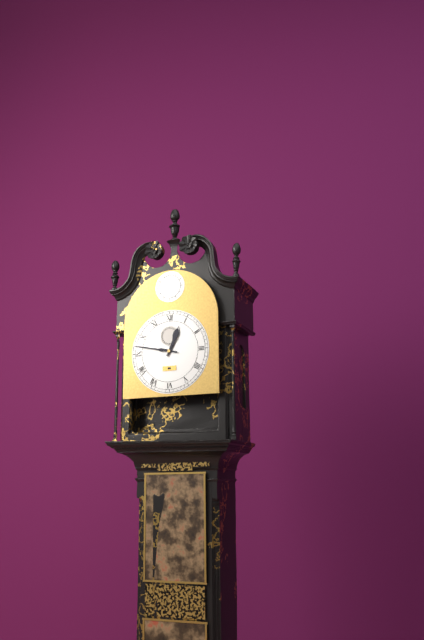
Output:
12:47
